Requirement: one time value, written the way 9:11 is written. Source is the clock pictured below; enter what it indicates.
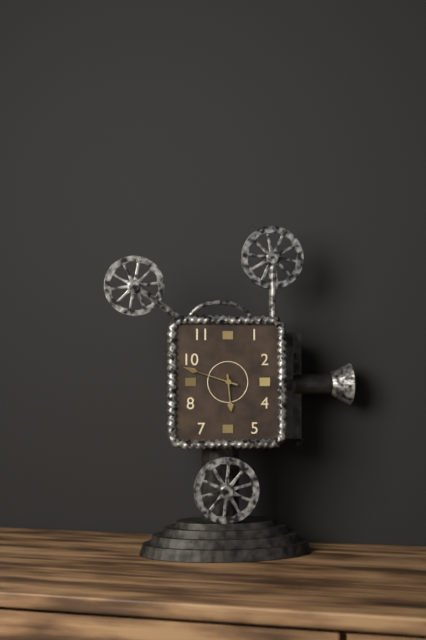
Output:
5:48
